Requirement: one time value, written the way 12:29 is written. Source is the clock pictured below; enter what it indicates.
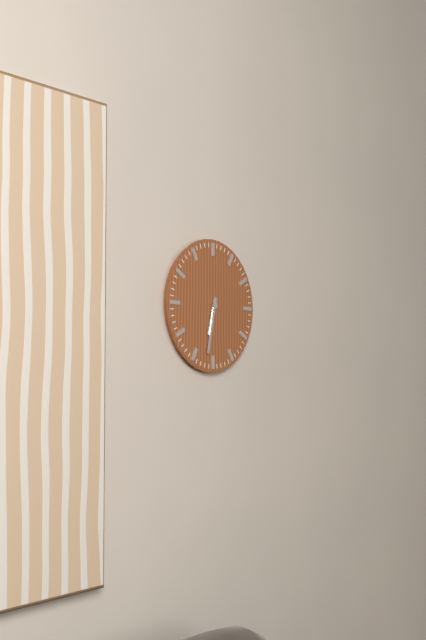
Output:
6:32
